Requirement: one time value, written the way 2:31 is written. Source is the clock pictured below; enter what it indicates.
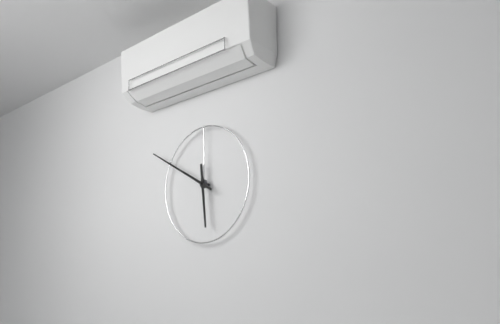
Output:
5:50
